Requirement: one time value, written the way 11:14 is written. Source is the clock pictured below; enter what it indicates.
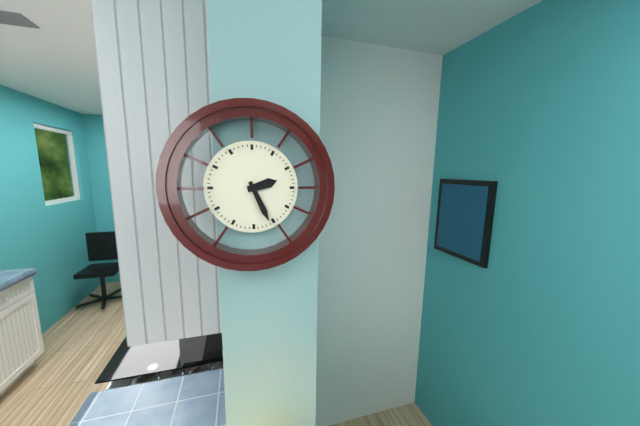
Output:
2:26
